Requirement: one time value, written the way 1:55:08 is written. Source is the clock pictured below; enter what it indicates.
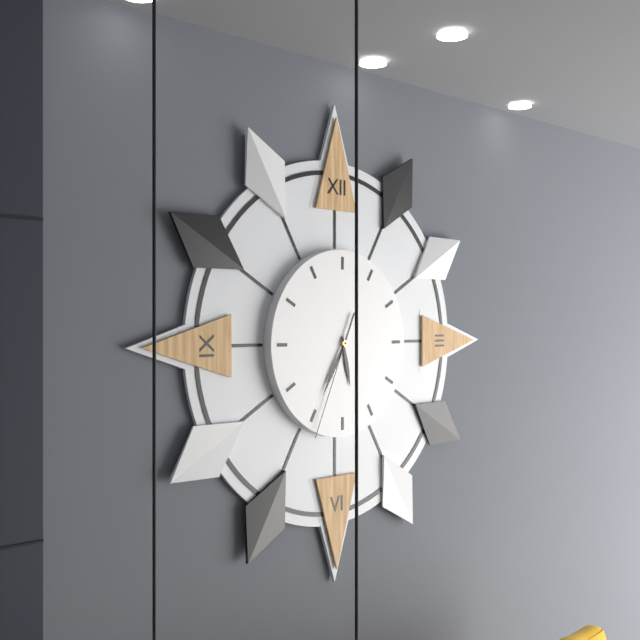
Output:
5:35:34
